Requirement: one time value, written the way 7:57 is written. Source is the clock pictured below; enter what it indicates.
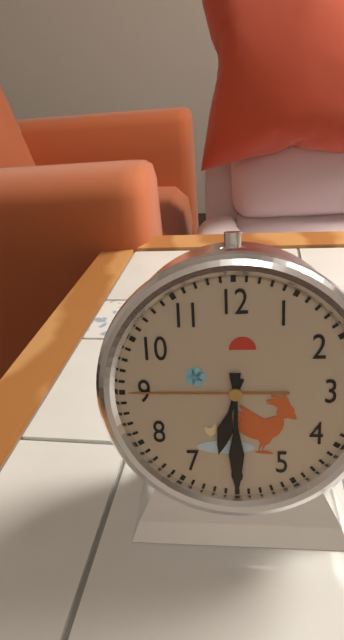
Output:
6:30
